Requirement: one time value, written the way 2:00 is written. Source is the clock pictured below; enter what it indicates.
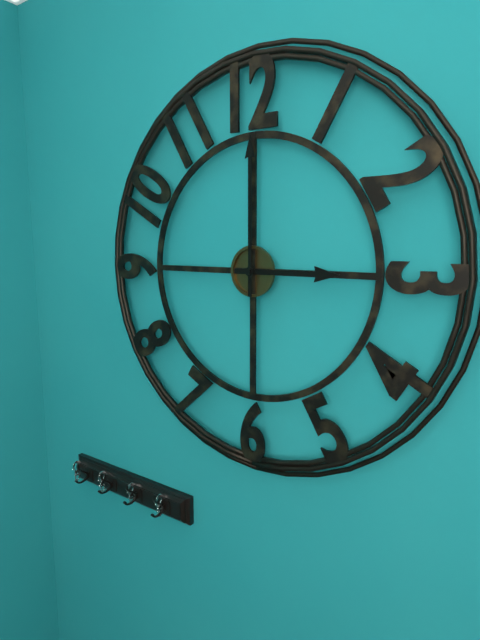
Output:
3:00
